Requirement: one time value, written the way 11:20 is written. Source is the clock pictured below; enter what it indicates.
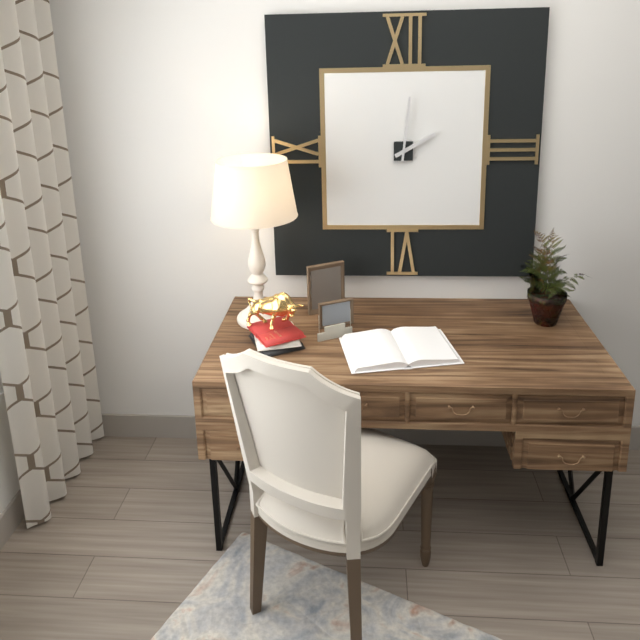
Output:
2:01
